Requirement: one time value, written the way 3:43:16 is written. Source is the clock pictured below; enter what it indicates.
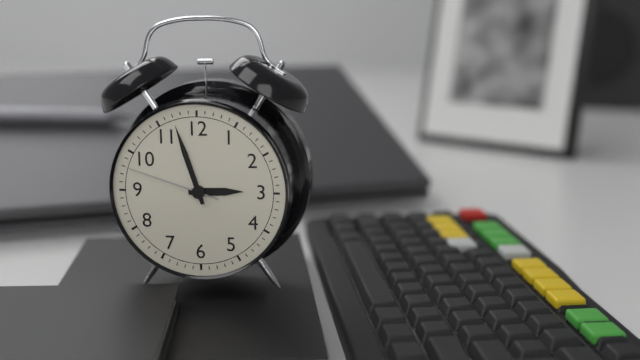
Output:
2:57:48
